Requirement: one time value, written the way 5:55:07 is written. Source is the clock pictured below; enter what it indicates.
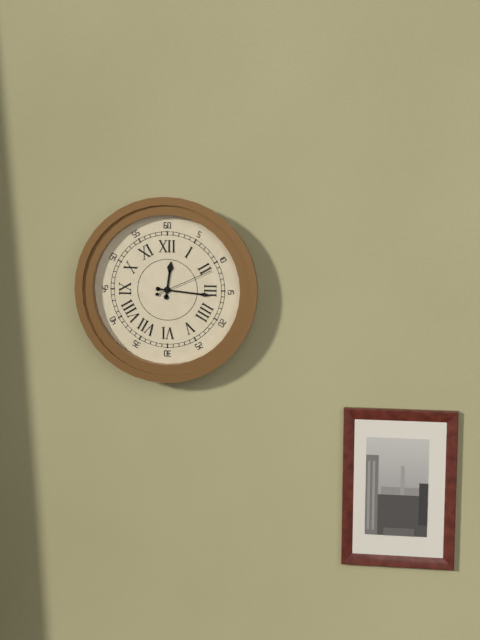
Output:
12:16:11
